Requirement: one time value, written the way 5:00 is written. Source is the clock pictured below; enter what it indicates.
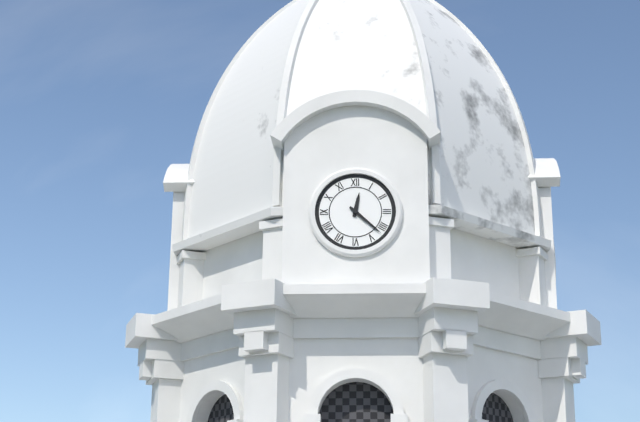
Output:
12:22
